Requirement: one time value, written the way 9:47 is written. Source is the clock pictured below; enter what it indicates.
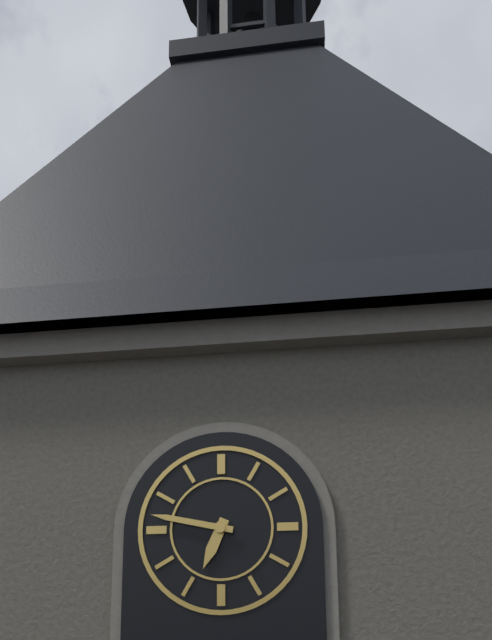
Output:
6:47
